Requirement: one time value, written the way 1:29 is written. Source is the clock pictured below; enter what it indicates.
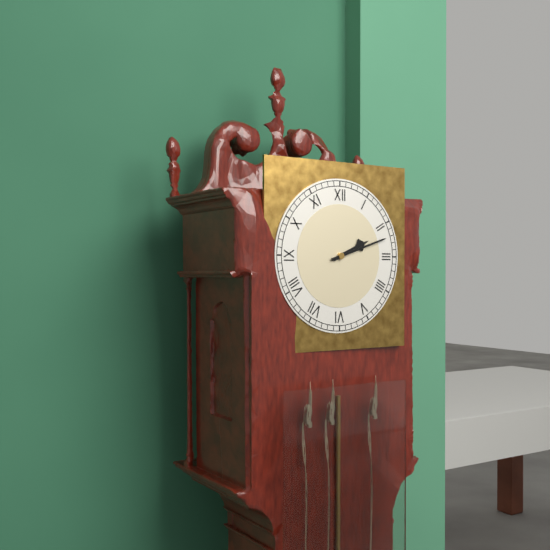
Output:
2:12
